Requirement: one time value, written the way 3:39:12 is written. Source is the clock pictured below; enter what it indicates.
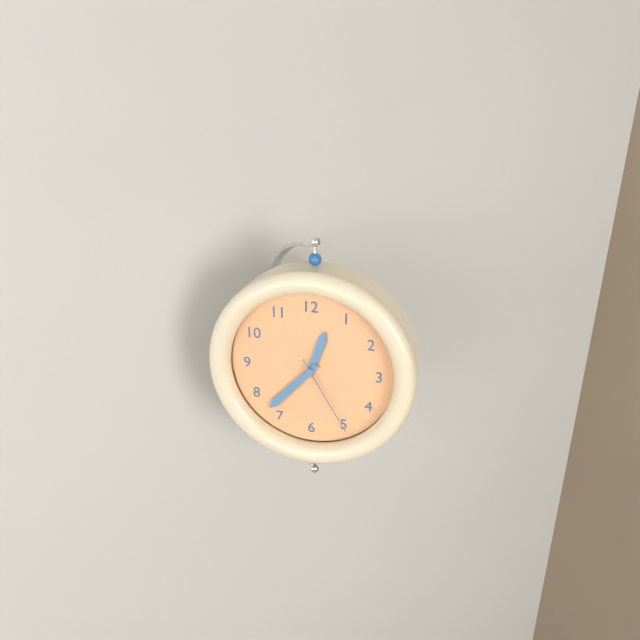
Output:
12:37:25
